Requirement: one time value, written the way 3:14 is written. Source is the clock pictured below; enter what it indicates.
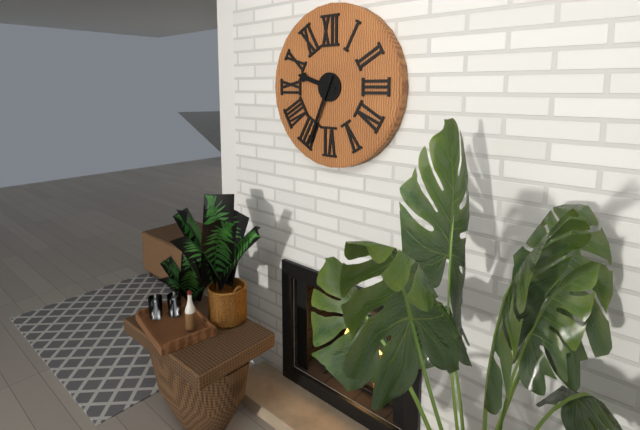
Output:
9:34
